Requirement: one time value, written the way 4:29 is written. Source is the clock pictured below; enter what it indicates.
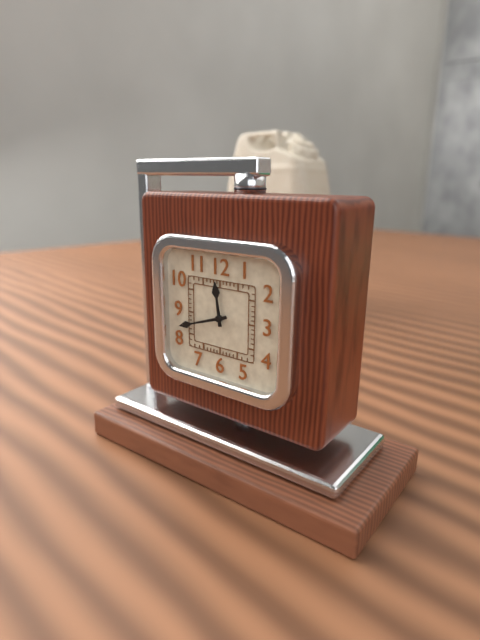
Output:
11:42
